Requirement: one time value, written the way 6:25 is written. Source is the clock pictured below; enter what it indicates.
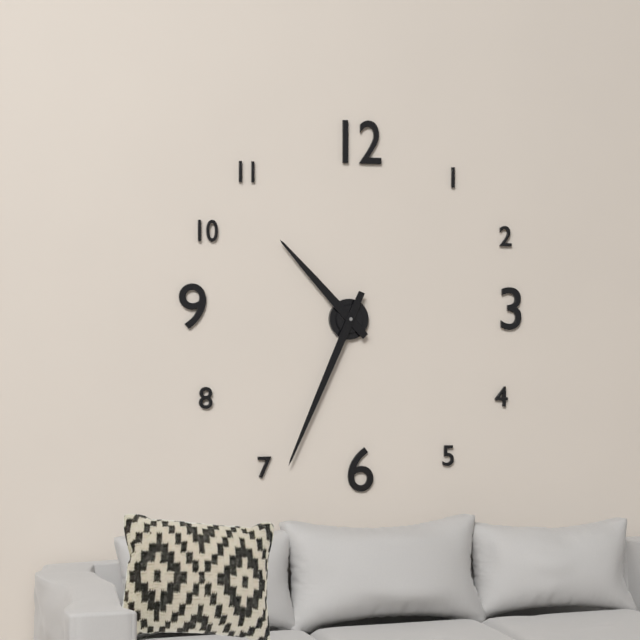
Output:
10:34
